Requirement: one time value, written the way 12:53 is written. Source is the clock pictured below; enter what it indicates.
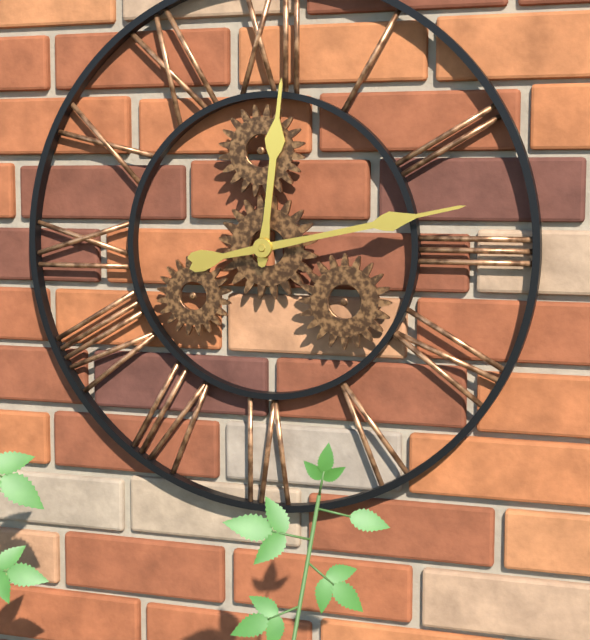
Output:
12:13
